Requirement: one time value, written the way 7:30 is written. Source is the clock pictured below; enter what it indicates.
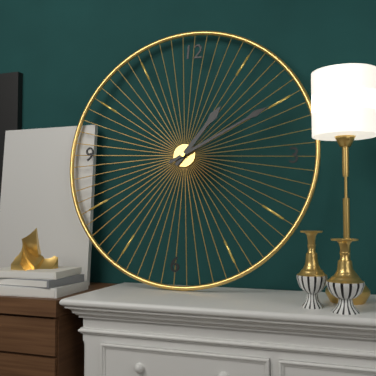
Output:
1:10
